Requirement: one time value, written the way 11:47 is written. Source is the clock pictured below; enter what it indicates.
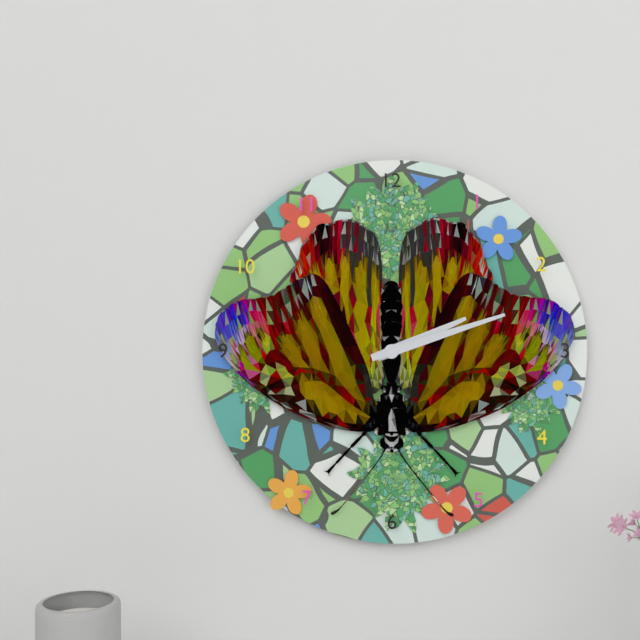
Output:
2:12
